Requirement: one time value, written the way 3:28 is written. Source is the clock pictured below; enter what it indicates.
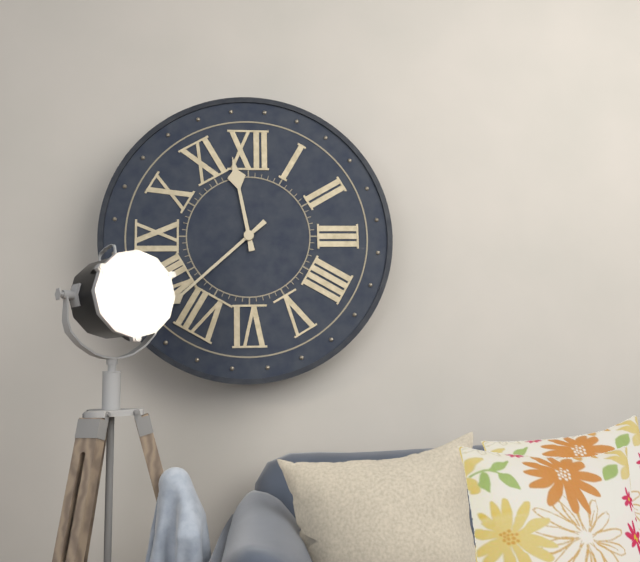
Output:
11:38
